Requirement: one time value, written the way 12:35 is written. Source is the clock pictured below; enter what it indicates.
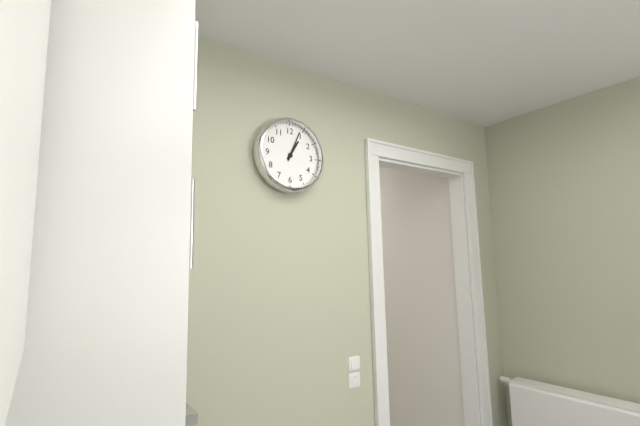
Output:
1:04
